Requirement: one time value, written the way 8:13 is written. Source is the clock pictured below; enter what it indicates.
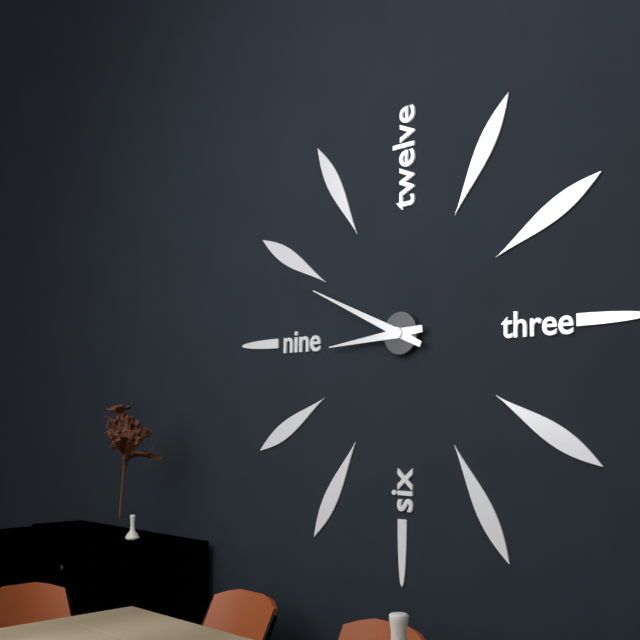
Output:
8:49
